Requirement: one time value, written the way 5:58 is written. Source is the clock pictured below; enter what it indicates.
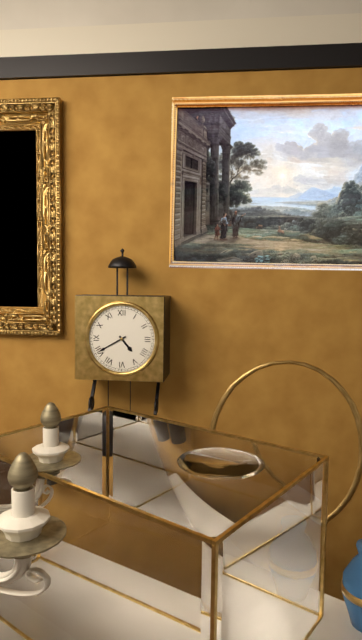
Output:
4:40
